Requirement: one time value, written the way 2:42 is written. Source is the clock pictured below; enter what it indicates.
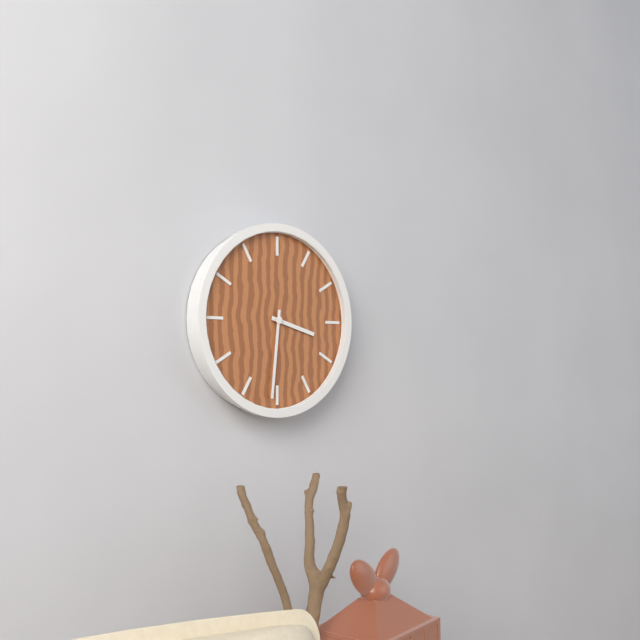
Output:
3:31
